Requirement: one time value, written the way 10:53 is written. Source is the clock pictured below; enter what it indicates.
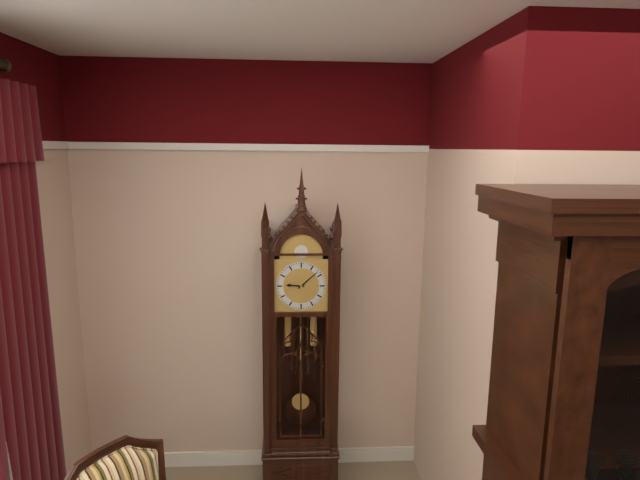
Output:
9:08
